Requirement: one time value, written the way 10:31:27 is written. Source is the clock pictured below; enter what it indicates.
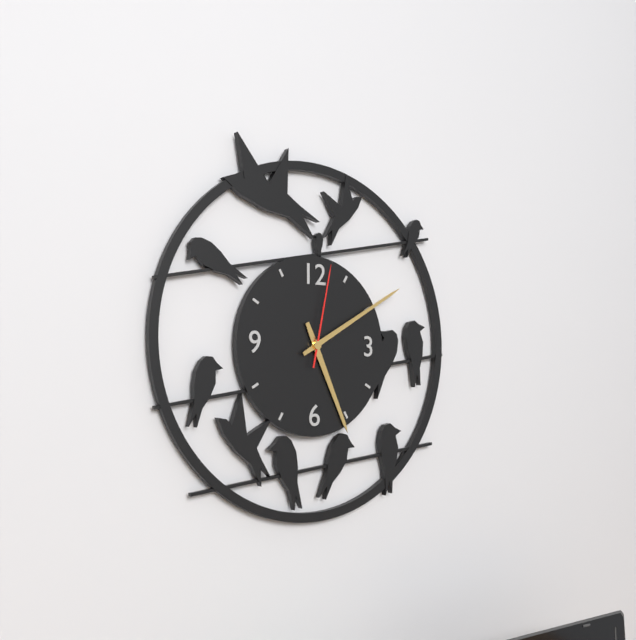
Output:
5:10:02
